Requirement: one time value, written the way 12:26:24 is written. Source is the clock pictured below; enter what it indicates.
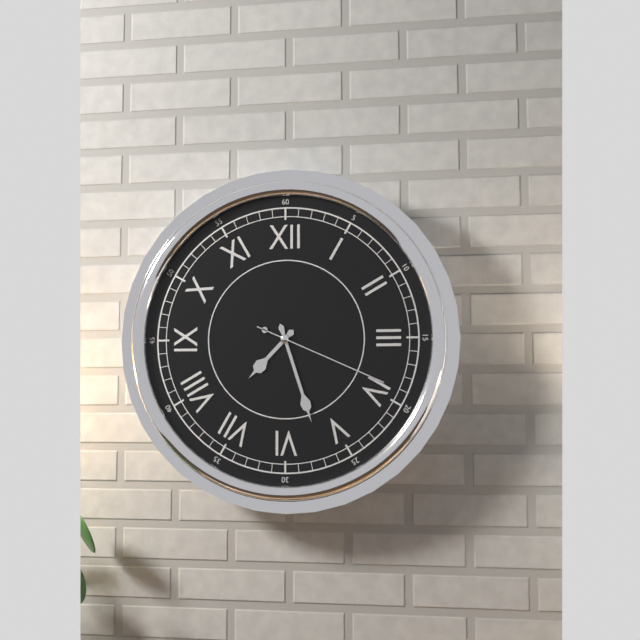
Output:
7:27:19
